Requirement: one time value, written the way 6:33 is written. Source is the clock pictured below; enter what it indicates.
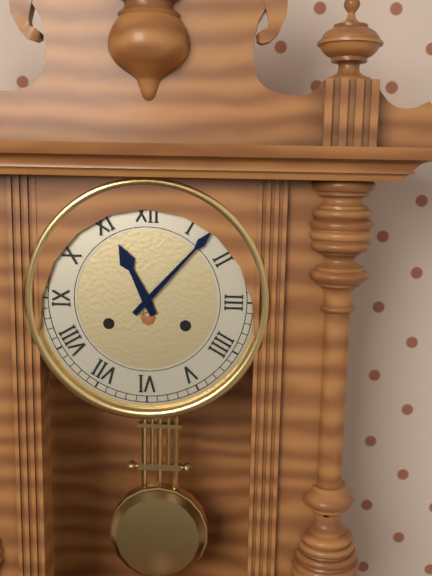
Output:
11:07
